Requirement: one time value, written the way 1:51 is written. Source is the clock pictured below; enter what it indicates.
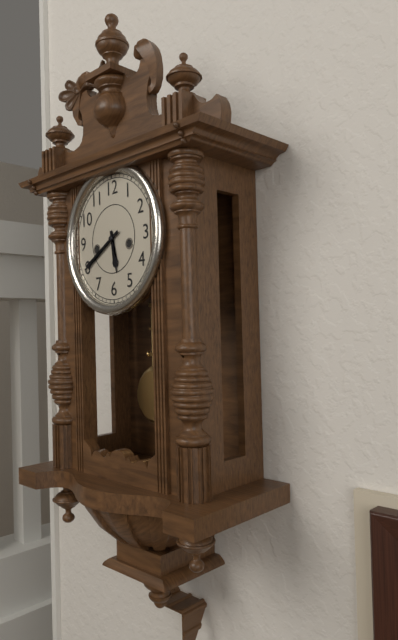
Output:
5:40
